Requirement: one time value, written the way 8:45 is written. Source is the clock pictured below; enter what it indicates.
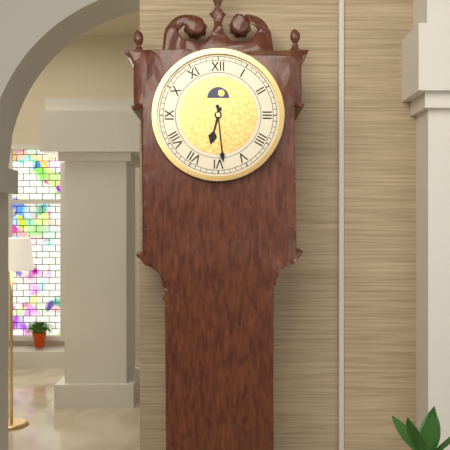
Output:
6:29
